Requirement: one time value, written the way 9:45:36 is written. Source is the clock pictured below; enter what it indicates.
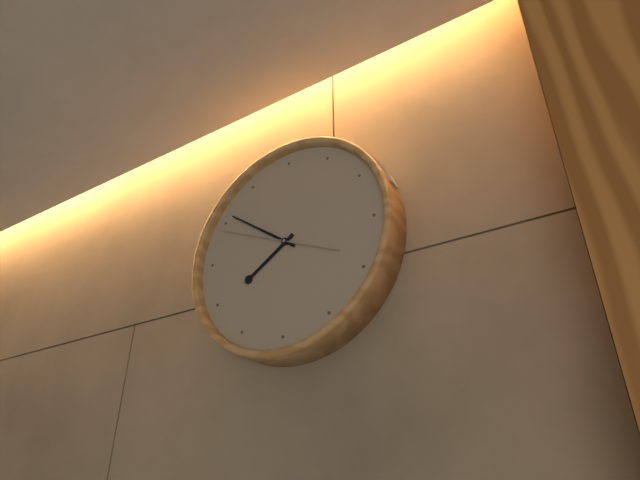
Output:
7:51:49
